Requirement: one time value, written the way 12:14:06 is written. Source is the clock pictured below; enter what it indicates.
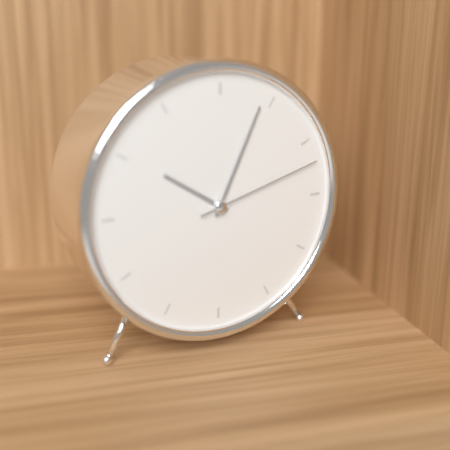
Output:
10:04:12
